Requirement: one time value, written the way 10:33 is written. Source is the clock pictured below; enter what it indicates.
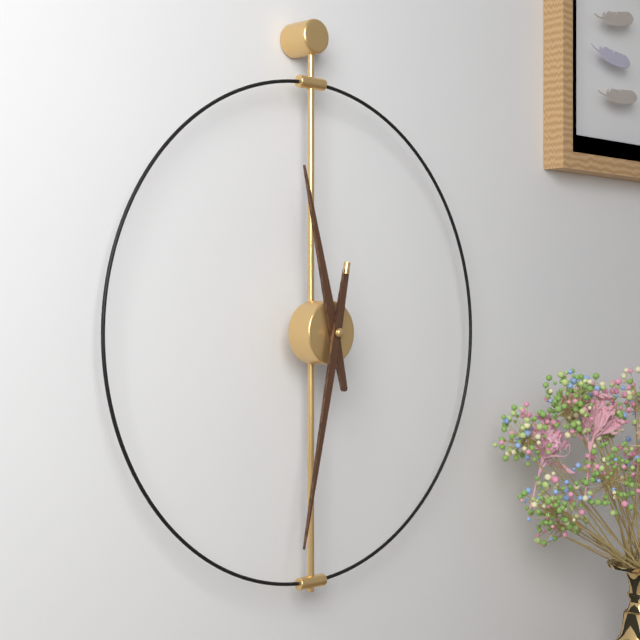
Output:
11:32
